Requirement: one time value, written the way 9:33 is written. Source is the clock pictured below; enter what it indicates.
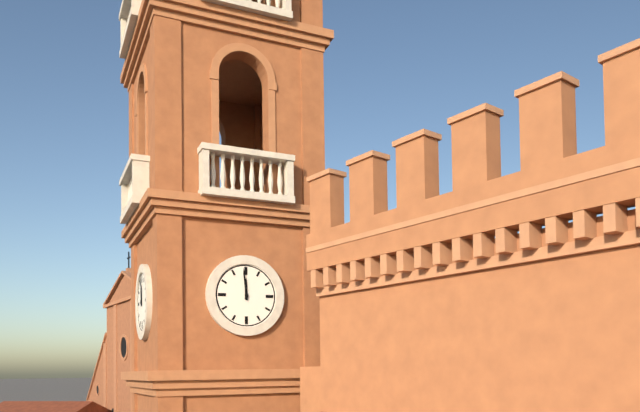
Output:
11:59
